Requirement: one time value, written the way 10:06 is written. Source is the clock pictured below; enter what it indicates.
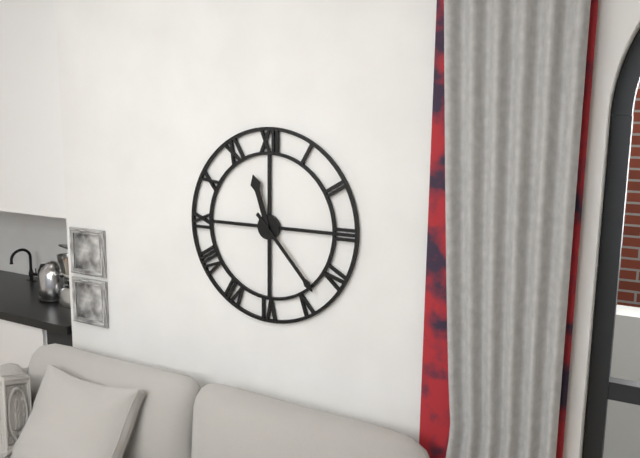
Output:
11:23
